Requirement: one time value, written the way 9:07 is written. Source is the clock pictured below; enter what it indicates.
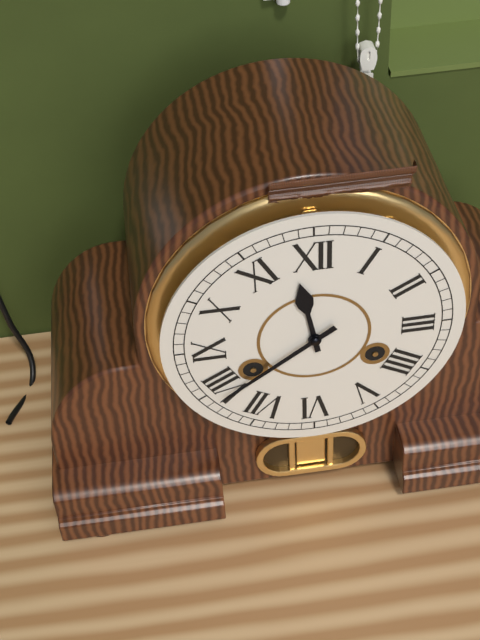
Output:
11:39
